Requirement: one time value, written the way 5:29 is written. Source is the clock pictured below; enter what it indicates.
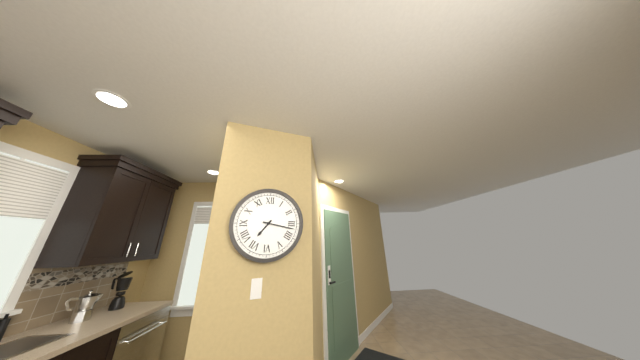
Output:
7:17
